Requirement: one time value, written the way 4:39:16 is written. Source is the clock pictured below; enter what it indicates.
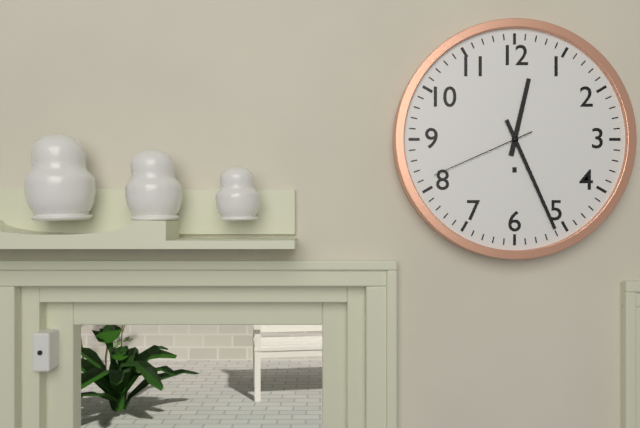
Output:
12:26:41
